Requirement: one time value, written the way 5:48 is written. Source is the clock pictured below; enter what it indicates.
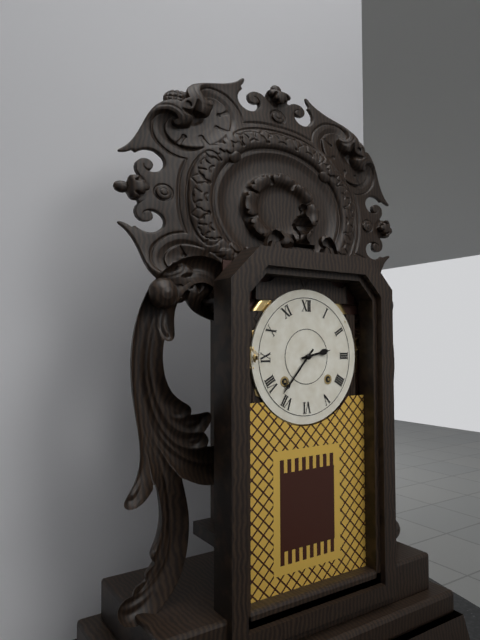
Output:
2:37
